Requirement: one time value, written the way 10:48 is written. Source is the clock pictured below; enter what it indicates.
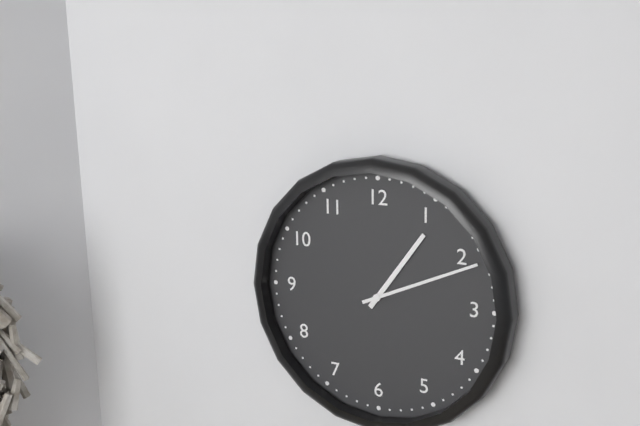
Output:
1:11
